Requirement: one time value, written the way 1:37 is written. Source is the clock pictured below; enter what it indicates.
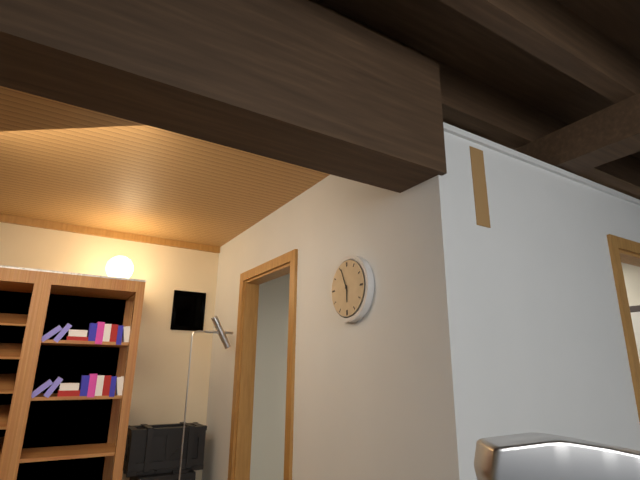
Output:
5:56
